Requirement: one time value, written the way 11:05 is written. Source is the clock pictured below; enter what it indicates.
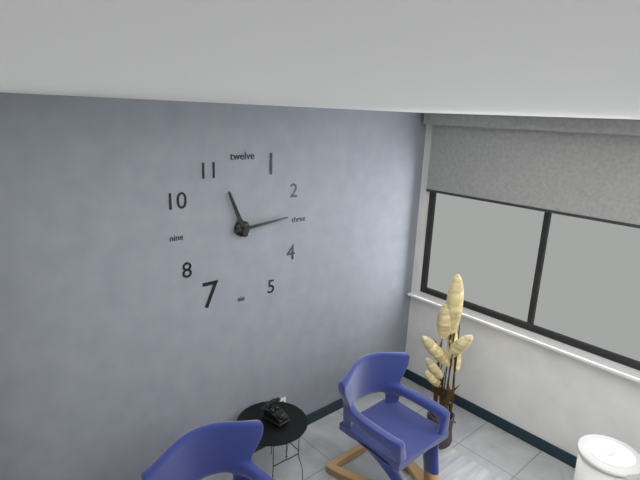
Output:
11:14
